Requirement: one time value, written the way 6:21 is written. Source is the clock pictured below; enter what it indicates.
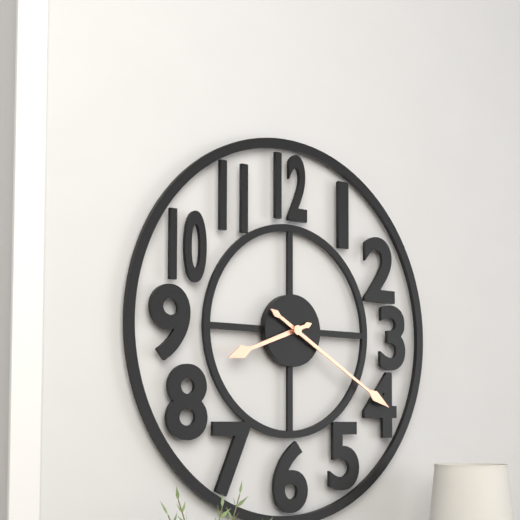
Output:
8:20
